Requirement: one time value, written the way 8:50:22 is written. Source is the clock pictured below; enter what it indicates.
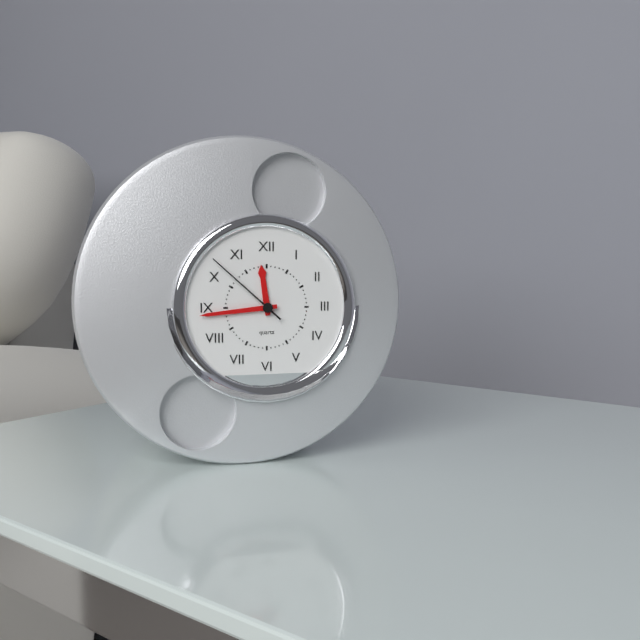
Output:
11:44:52
